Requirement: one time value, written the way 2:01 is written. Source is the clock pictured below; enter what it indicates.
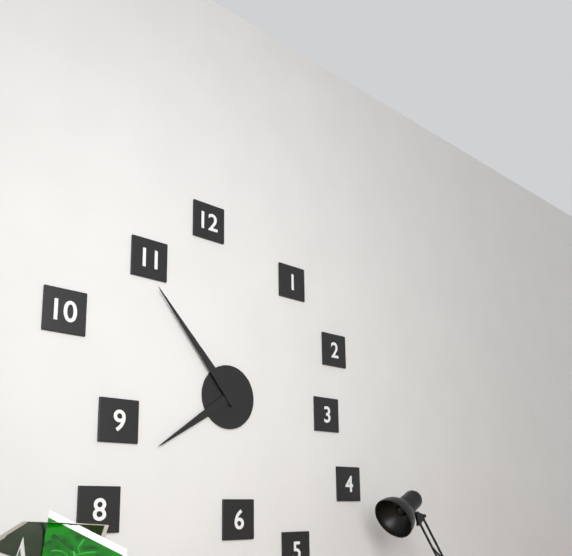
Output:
7:53
